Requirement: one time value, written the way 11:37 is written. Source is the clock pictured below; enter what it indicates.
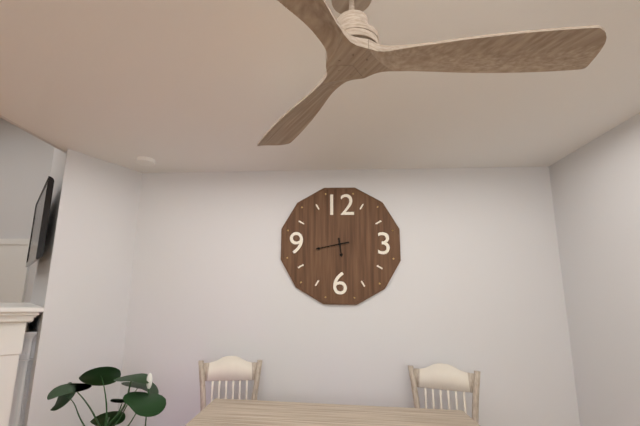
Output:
5:43
